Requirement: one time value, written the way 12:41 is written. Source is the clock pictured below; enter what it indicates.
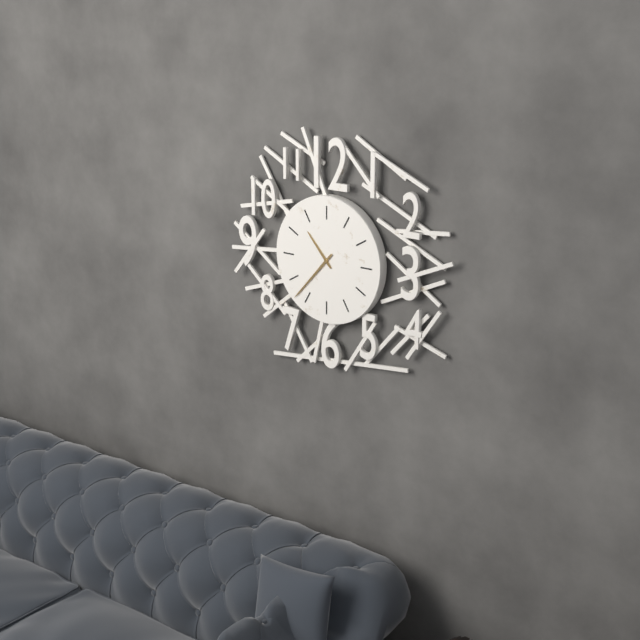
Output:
10:37
